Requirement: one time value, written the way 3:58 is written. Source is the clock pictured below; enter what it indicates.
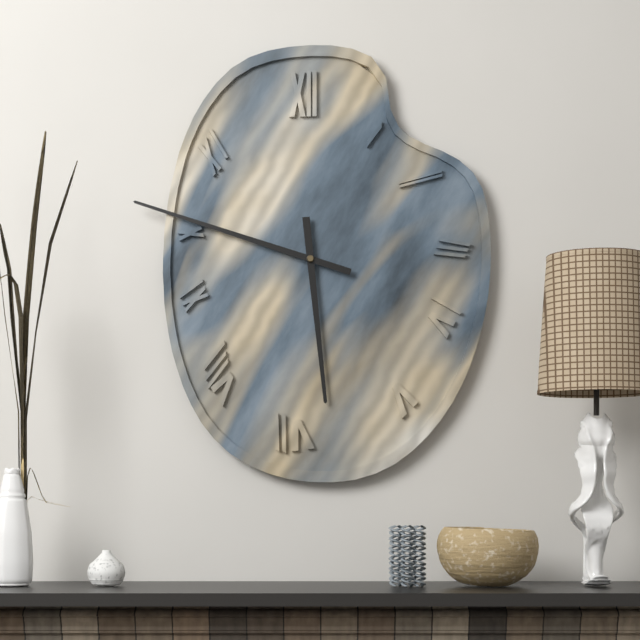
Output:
5:48
